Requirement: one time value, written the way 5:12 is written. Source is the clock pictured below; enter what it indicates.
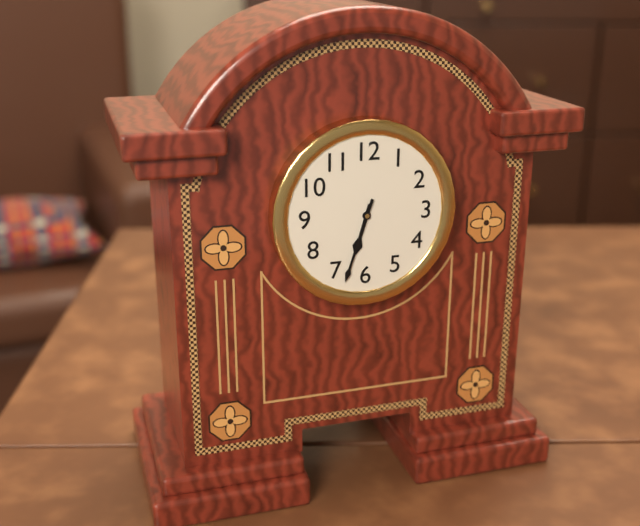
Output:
6:33
